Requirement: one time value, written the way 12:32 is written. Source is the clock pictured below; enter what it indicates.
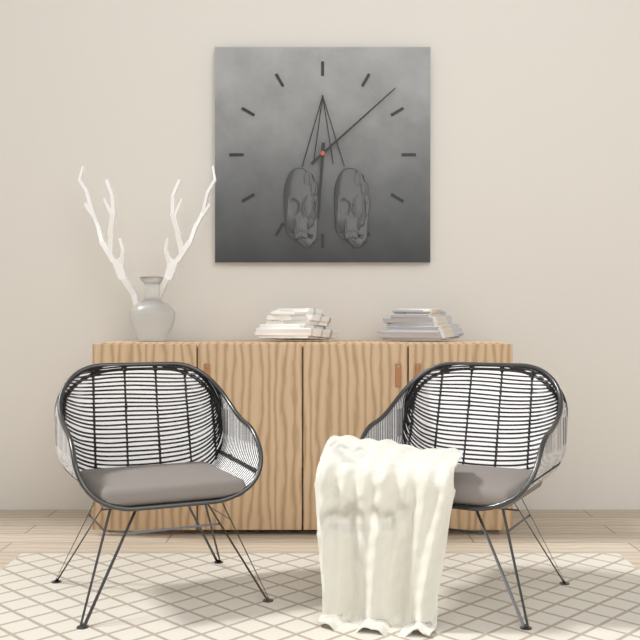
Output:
6:08
